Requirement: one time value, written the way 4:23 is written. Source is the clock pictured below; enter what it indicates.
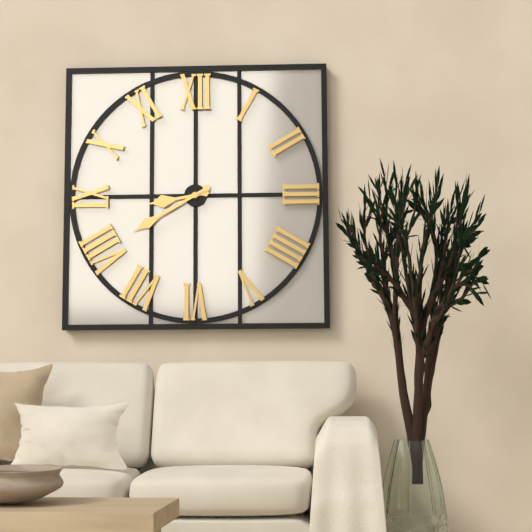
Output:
8:40
